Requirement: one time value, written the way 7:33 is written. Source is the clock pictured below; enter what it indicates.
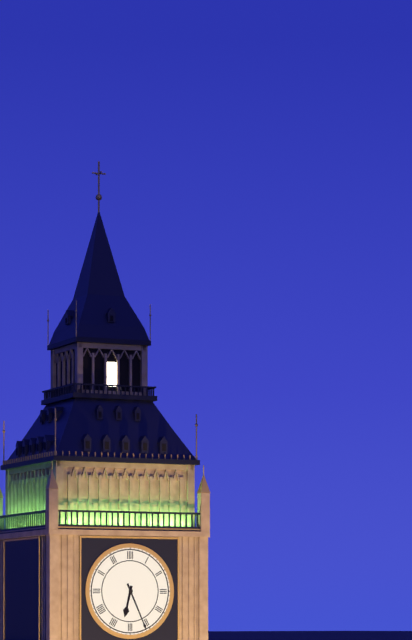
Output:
6:26
